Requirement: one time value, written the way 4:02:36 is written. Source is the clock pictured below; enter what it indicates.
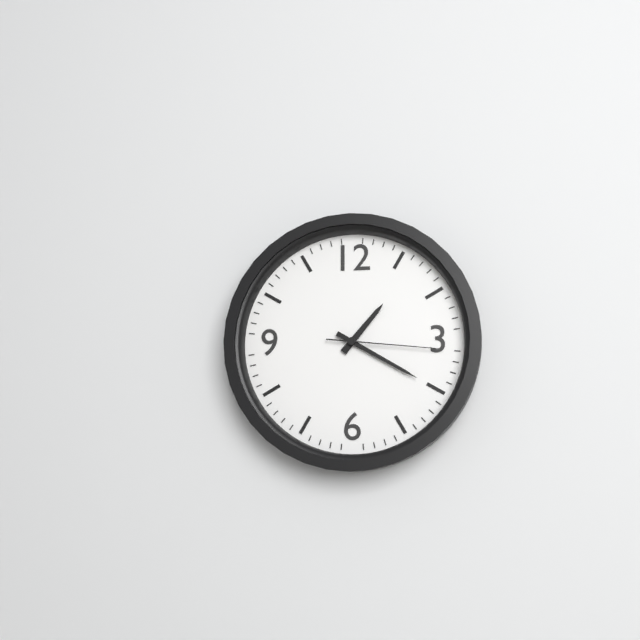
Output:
1:20:16
